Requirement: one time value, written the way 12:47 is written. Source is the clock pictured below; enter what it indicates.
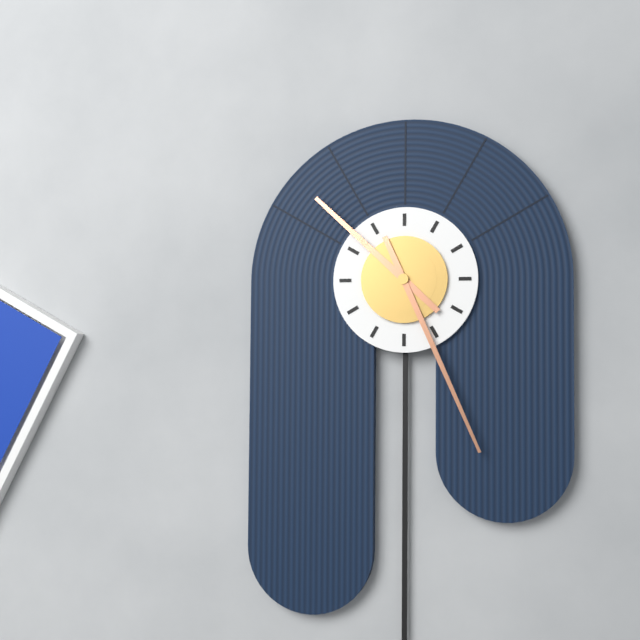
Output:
10:26
